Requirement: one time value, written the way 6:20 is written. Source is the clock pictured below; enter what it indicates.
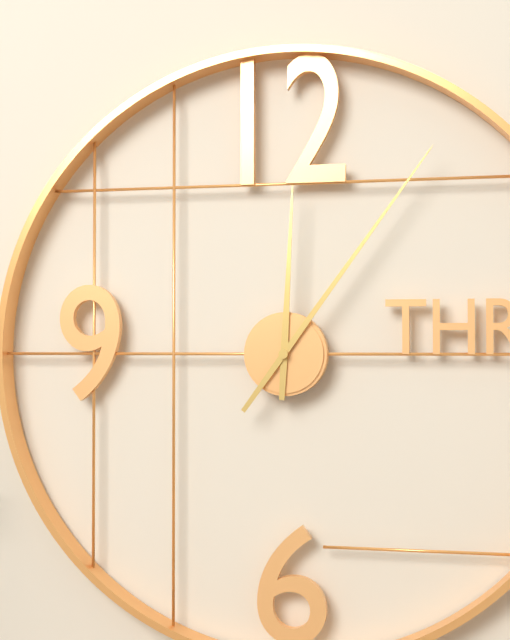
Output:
12:06
